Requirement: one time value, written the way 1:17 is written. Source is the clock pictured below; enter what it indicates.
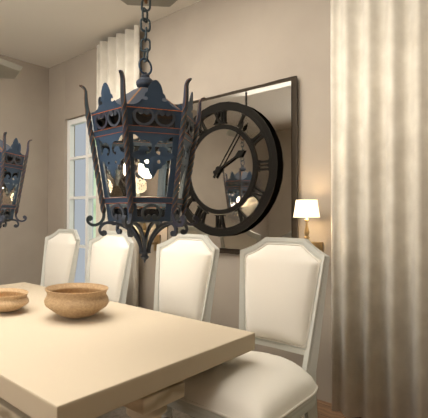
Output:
2:06
